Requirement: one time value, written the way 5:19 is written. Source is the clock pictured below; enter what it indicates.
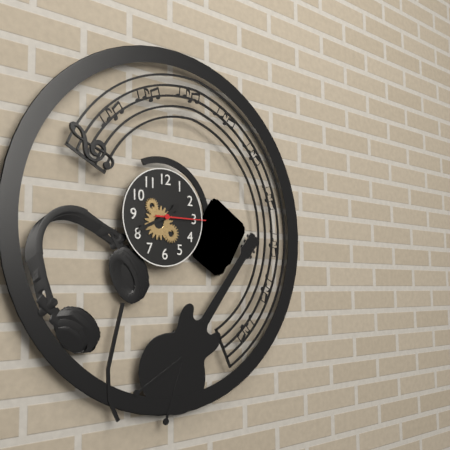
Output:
1:41
